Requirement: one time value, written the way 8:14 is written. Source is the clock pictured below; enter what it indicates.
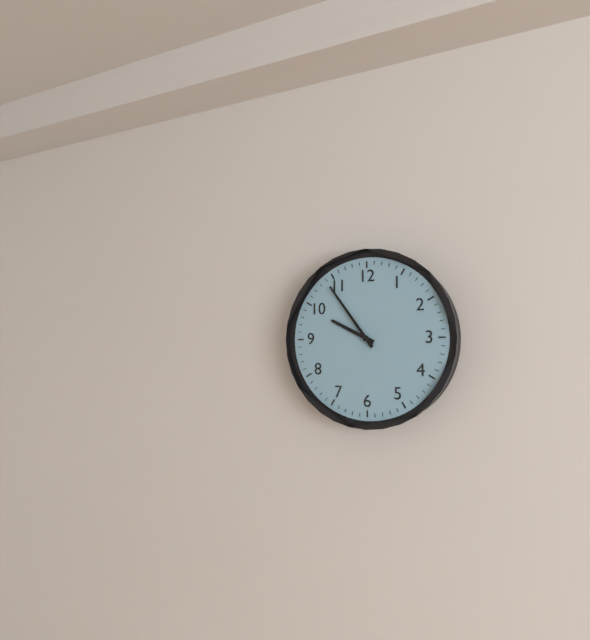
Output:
9:54
